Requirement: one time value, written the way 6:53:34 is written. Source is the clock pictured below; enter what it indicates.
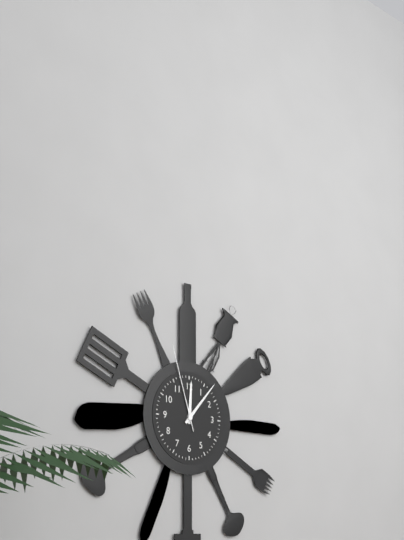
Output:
12:07:57
